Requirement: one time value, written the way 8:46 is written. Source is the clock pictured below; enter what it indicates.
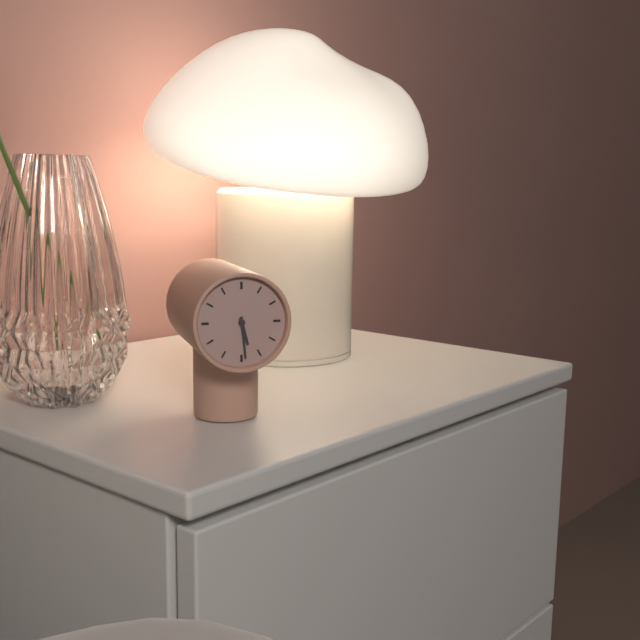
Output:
5:29
